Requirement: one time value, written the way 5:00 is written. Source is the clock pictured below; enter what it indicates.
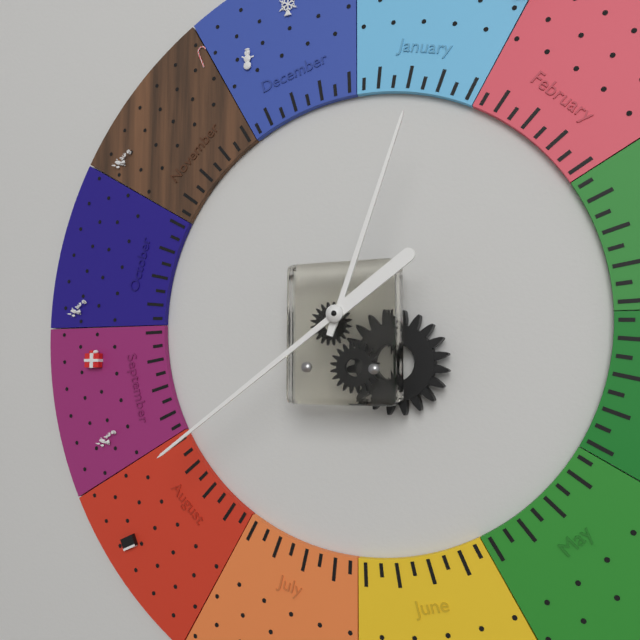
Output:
12:39
